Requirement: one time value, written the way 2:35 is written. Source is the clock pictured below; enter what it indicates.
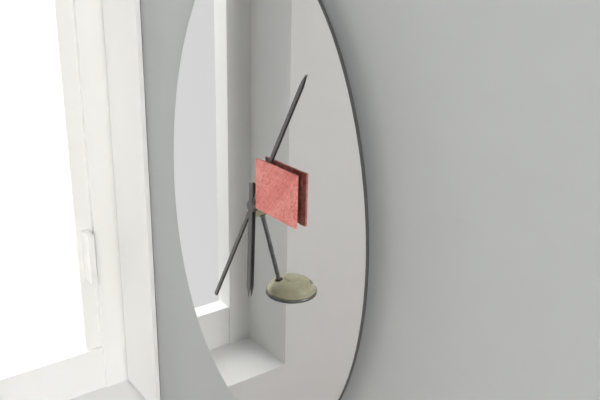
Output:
6:05
